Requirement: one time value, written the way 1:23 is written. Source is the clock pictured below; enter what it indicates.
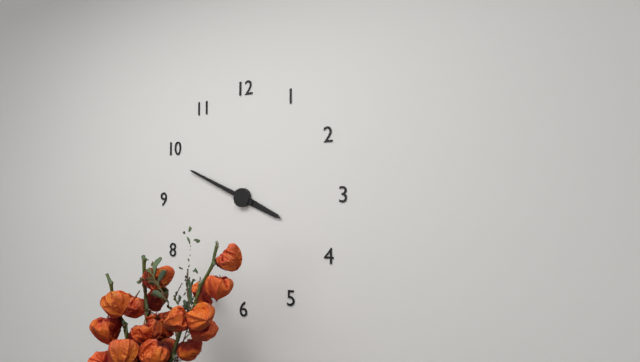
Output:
3:49
